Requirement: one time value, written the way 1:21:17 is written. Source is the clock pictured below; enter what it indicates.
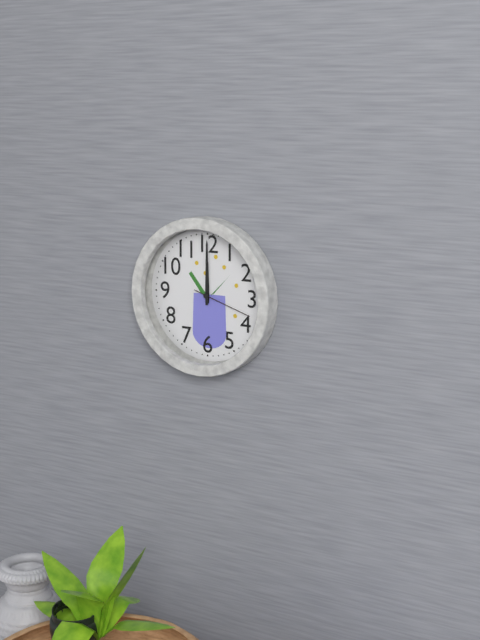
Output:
12:00:18
